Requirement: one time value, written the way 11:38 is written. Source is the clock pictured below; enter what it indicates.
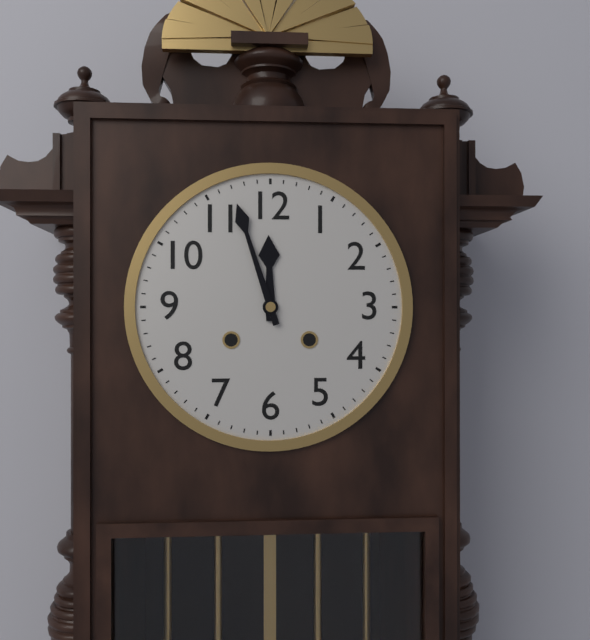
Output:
11:57
